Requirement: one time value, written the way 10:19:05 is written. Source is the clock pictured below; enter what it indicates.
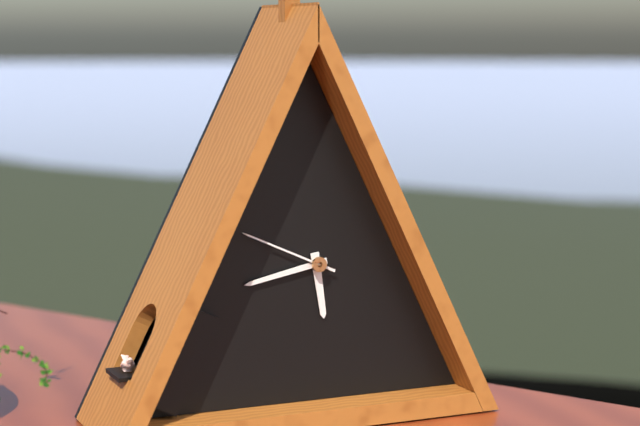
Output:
5:43:49
